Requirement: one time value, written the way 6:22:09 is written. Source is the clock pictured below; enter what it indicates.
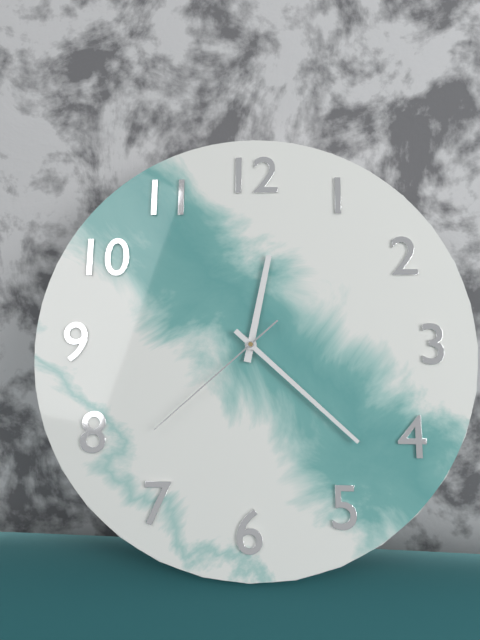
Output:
12:22:38
